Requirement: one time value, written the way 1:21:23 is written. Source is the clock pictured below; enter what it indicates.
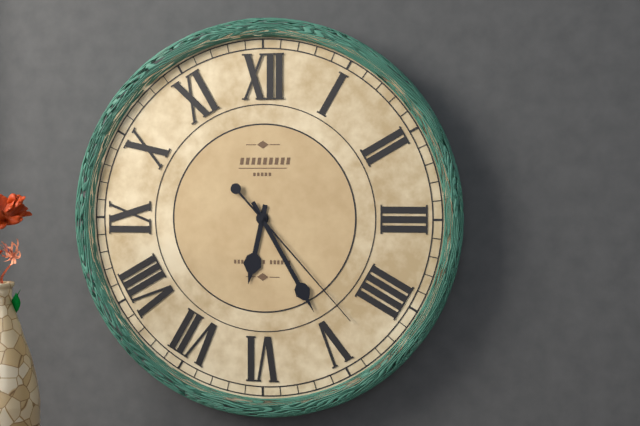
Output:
6:25:23
